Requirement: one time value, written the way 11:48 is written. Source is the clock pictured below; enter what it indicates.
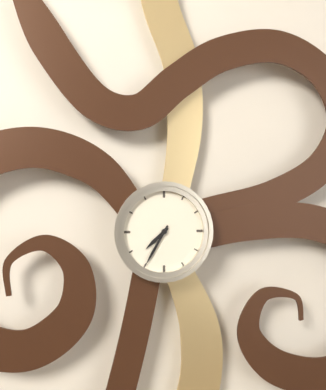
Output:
7:35
